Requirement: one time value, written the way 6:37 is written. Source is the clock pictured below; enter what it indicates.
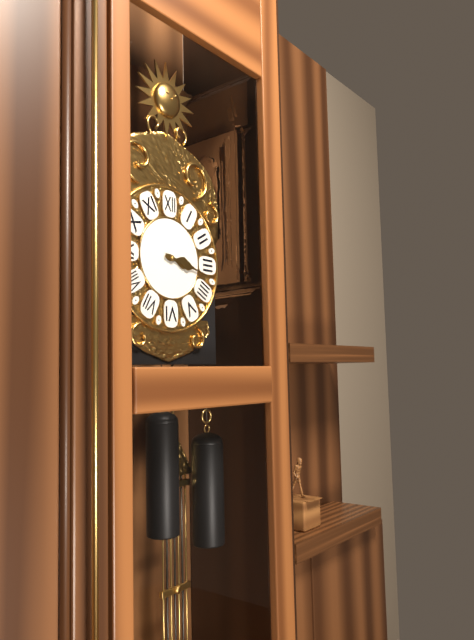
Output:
3:17
